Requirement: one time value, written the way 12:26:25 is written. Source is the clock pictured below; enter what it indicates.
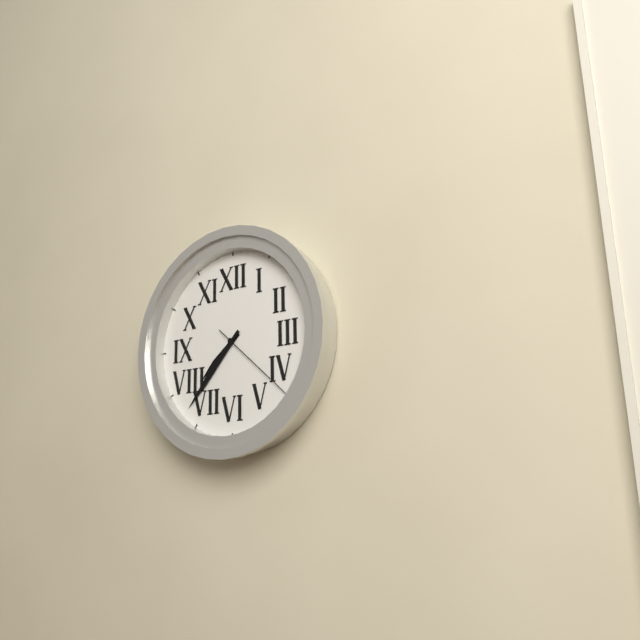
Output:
7:37:22
